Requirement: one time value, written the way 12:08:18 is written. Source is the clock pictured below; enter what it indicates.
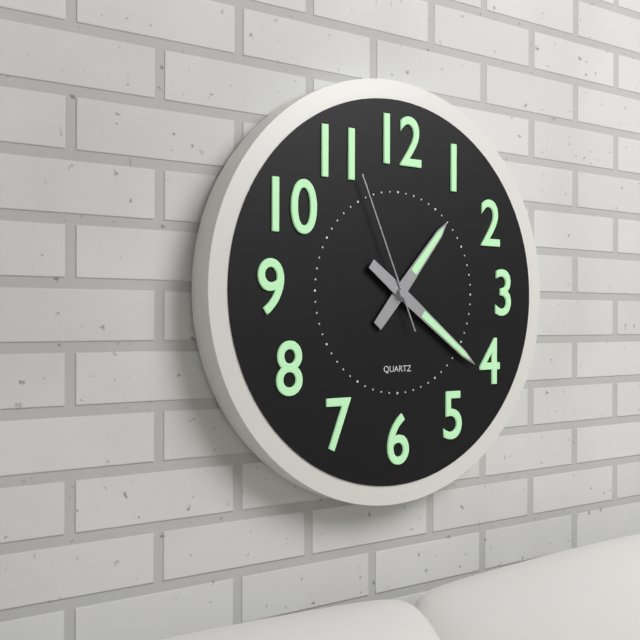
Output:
1:21:56
